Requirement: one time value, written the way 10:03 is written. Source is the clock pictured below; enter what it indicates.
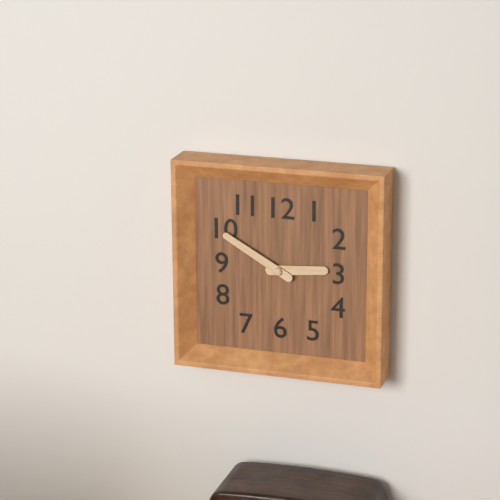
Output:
2:50
